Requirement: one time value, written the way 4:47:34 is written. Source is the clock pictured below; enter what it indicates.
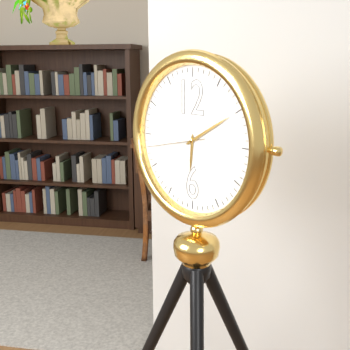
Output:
6:10:43
